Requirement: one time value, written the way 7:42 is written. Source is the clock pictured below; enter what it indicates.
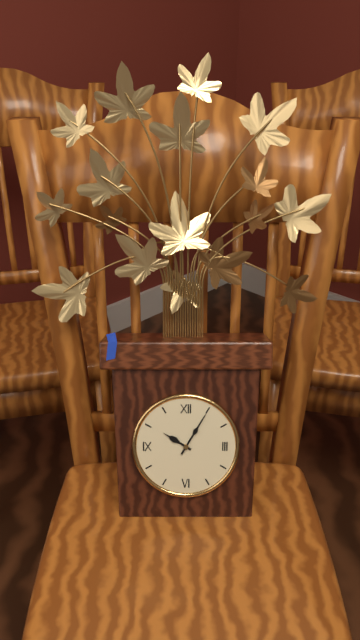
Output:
10:05
